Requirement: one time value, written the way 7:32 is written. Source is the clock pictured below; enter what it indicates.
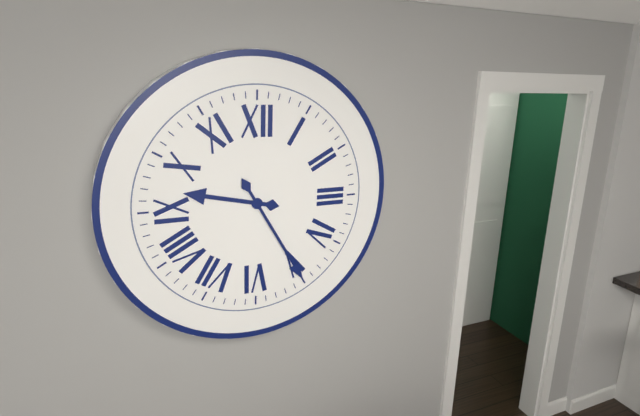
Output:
9:25
